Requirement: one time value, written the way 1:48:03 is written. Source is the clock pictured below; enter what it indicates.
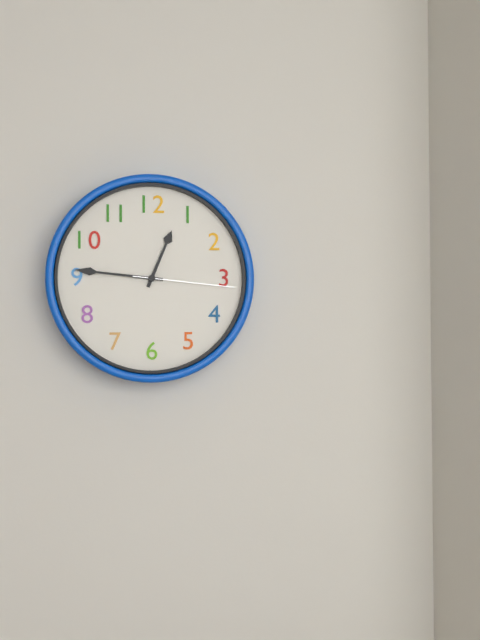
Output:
12:46:16
